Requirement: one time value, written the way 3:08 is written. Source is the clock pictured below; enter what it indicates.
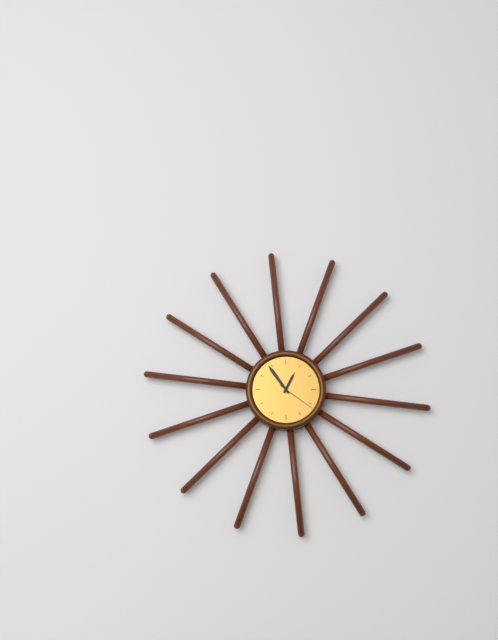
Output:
12:54
